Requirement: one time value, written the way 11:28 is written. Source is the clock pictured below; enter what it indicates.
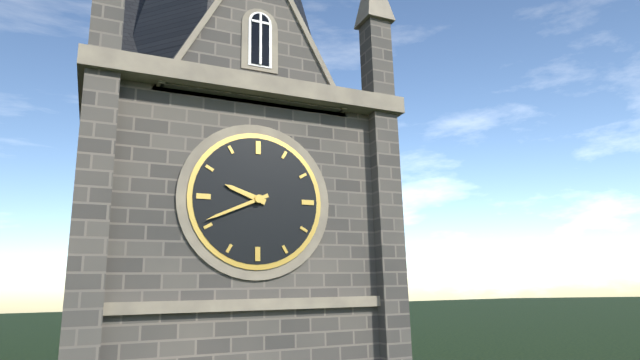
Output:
9:41
